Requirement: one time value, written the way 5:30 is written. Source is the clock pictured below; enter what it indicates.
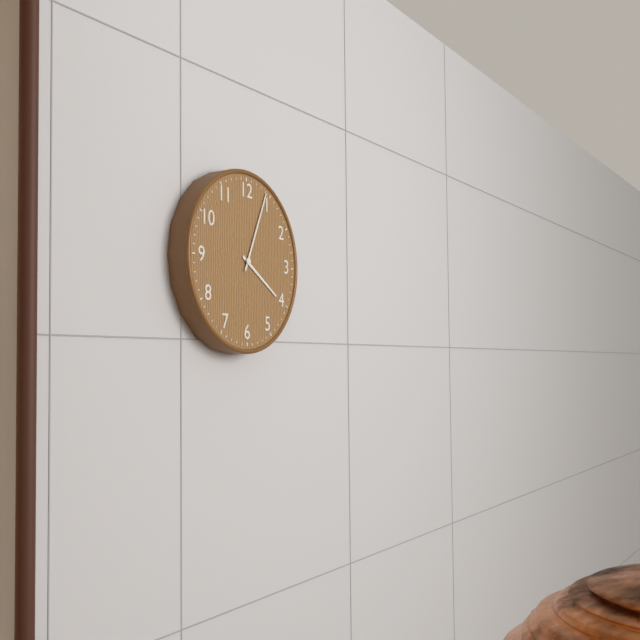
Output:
4:04
